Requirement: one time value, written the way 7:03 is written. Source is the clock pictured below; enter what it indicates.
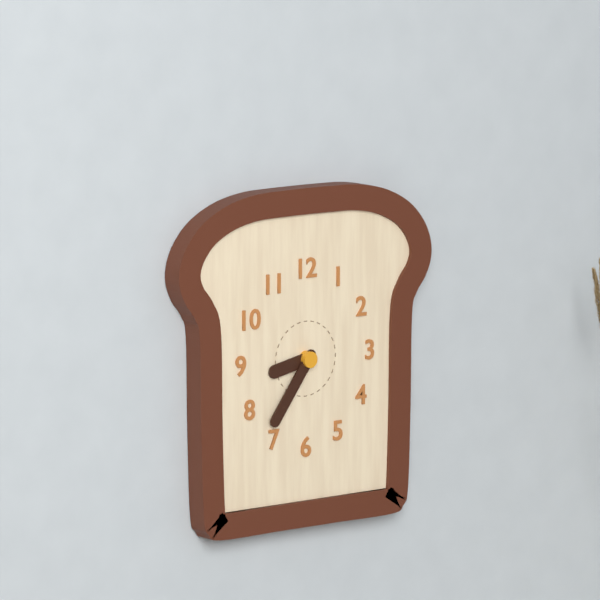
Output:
8:36
